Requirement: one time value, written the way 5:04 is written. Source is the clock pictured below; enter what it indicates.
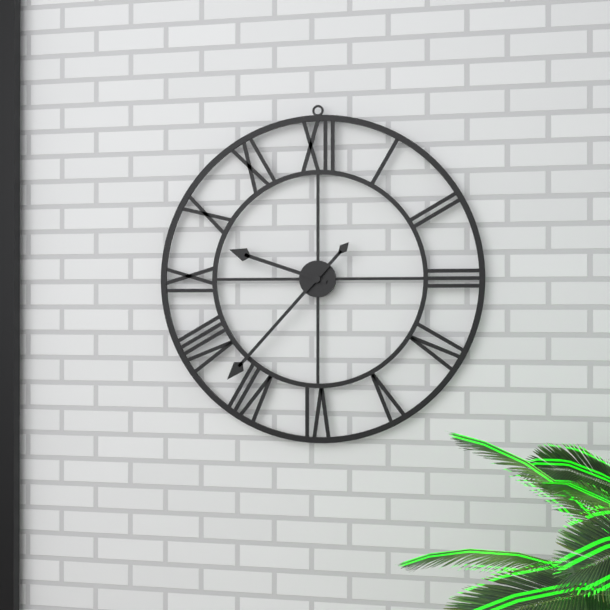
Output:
9:37
